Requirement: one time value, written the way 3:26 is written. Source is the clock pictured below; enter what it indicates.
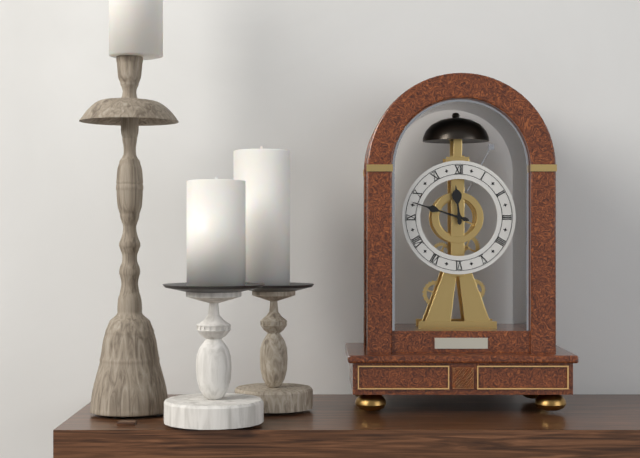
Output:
11:48
